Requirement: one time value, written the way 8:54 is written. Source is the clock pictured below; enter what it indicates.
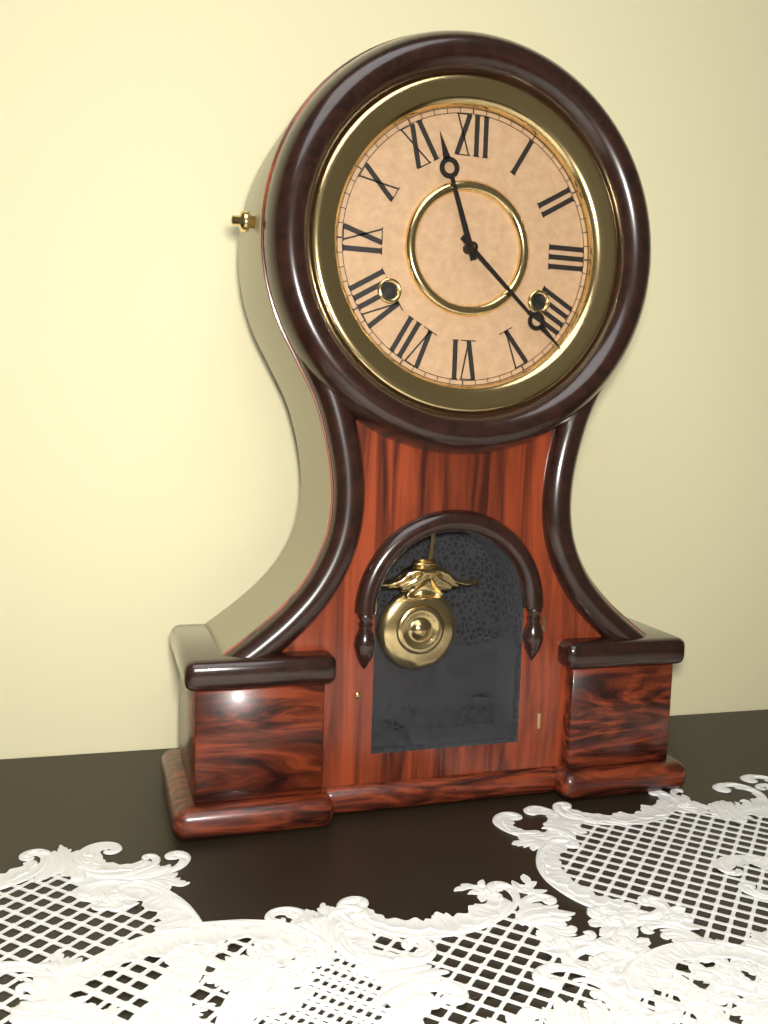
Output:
11:22
